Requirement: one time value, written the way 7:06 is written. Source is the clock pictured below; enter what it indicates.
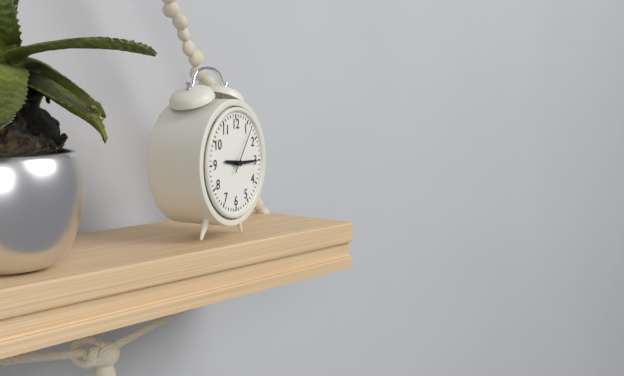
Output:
9:15
